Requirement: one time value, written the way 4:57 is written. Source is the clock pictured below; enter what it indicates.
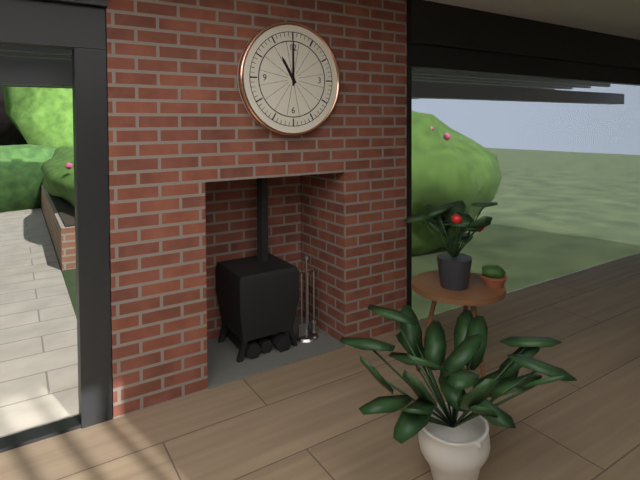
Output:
11:00
